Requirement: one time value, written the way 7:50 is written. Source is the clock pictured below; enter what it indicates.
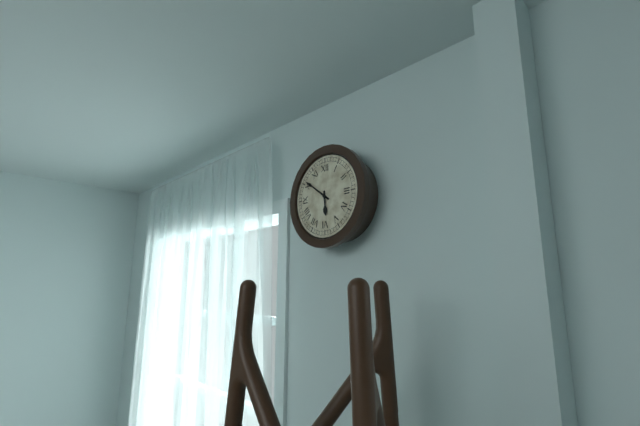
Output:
5:51
